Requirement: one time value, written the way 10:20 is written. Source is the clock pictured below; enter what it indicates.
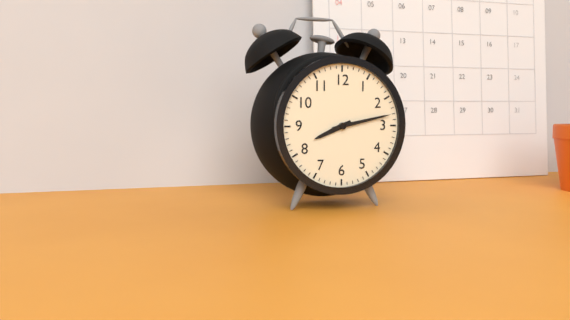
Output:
8:13
